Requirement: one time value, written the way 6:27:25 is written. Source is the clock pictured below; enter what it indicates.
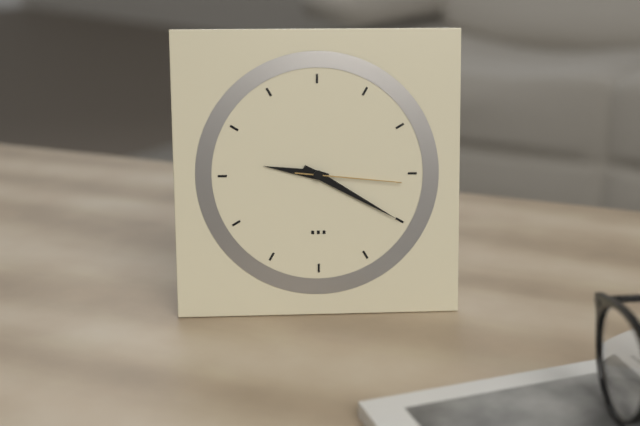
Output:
9:20:16
